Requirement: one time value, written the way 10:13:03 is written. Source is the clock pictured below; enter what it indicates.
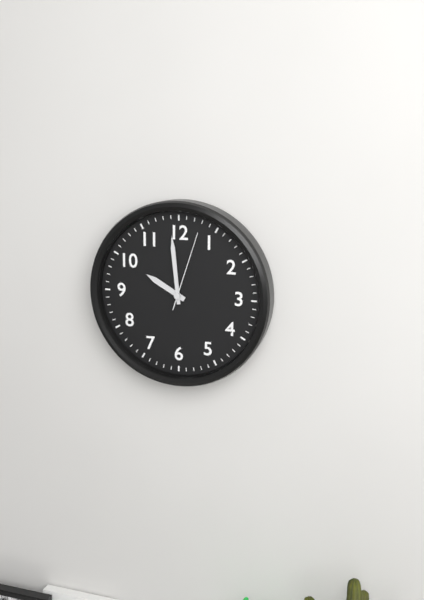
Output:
9:59:03
